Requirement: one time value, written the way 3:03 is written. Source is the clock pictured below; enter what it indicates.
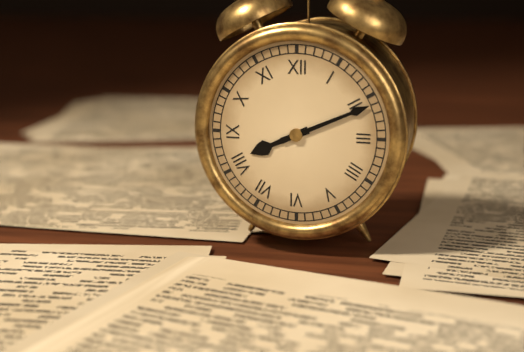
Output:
8:11
